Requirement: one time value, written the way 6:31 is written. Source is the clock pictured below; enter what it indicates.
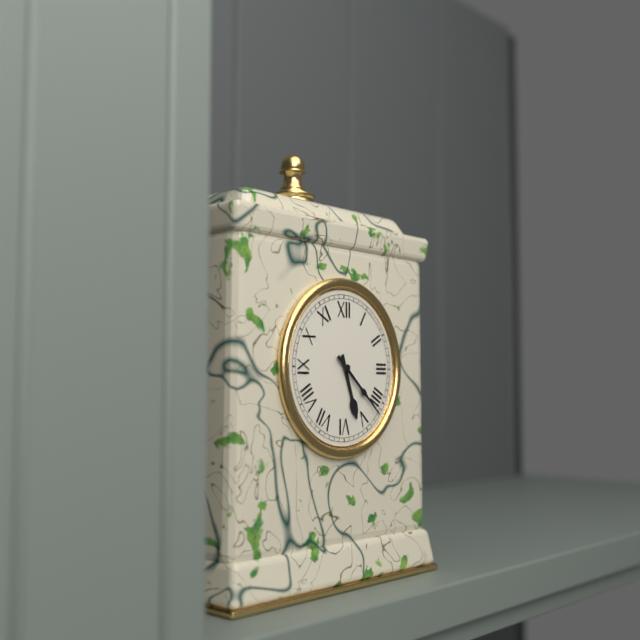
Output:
5:22
